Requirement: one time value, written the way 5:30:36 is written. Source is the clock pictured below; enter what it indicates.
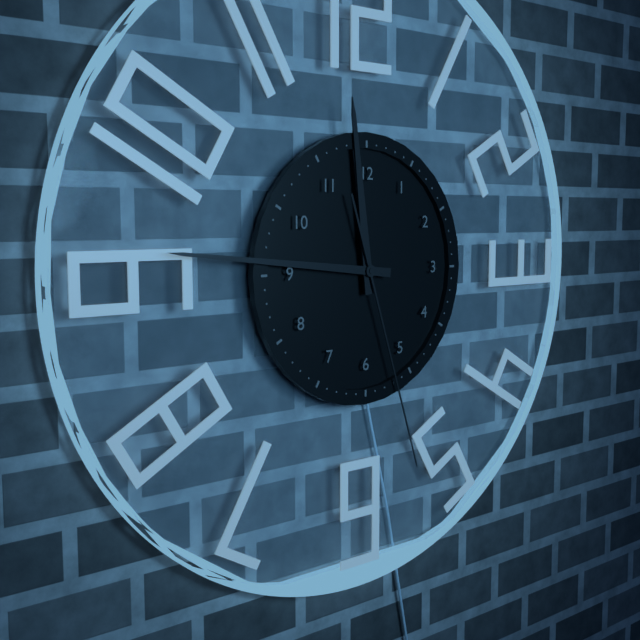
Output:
11:46:27
